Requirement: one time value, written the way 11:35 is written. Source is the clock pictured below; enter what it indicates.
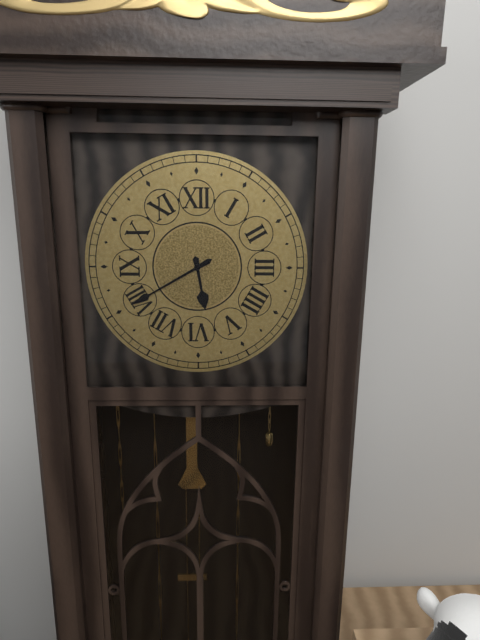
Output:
5:40
